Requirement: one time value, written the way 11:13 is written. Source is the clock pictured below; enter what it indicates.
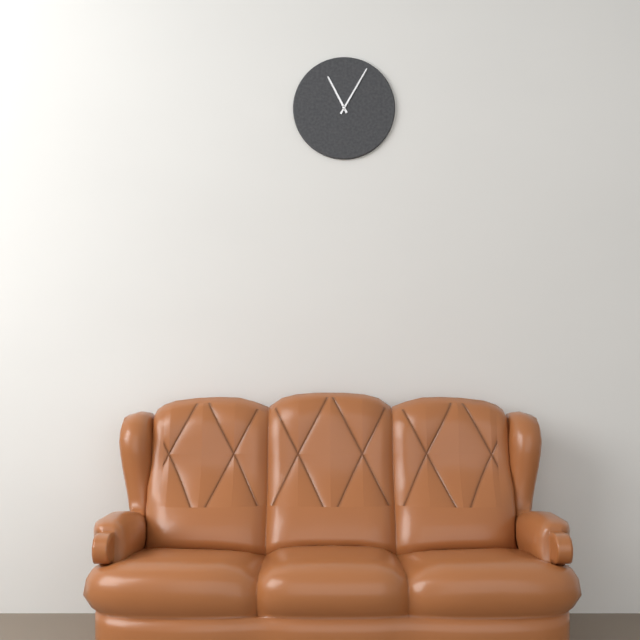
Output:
11:05
